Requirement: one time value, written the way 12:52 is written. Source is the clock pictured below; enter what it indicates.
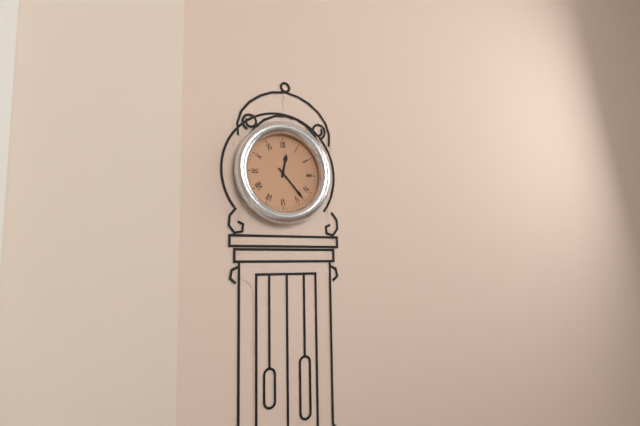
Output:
12:23
